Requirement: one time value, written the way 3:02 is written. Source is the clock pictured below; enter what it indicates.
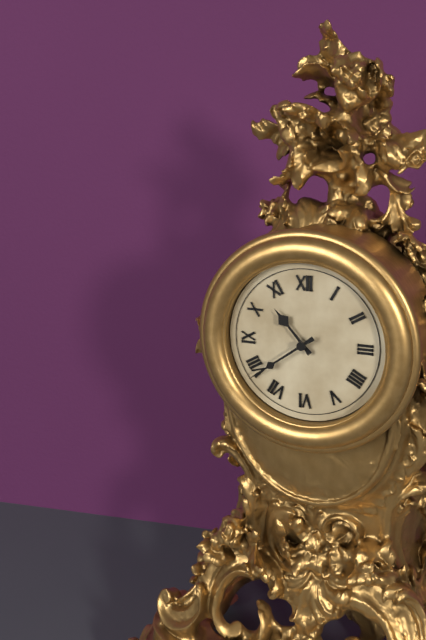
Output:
10:39
